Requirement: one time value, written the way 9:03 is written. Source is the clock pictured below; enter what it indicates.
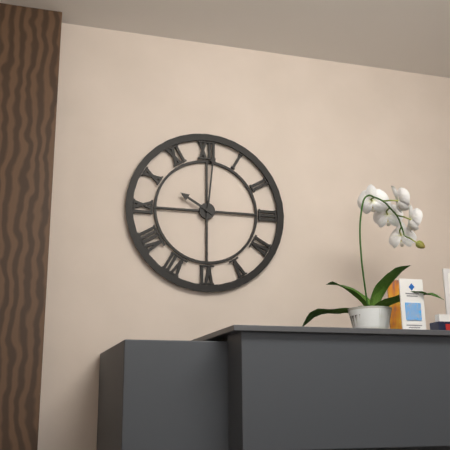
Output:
10:01
